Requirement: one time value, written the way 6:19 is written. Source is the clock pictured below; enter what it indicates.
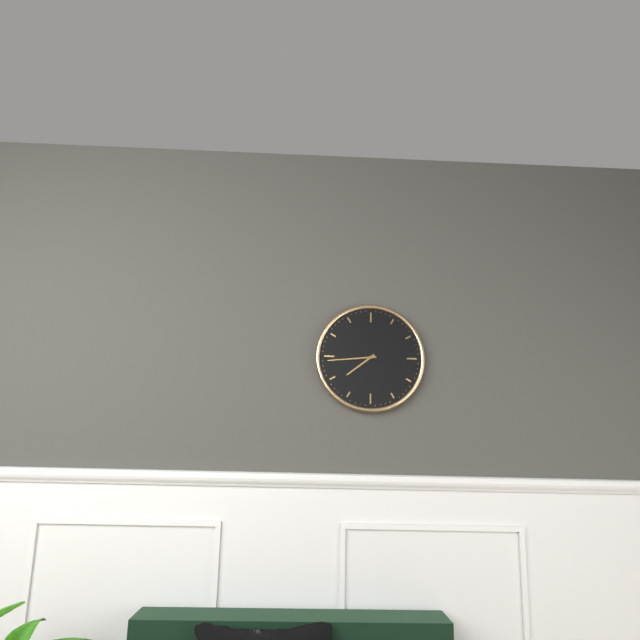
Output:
7:44
